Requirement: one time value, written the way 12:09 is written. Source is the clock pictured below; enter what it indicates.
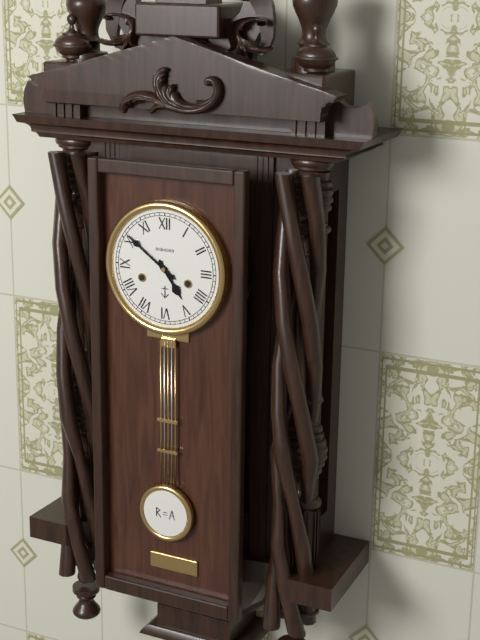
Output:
4:51
